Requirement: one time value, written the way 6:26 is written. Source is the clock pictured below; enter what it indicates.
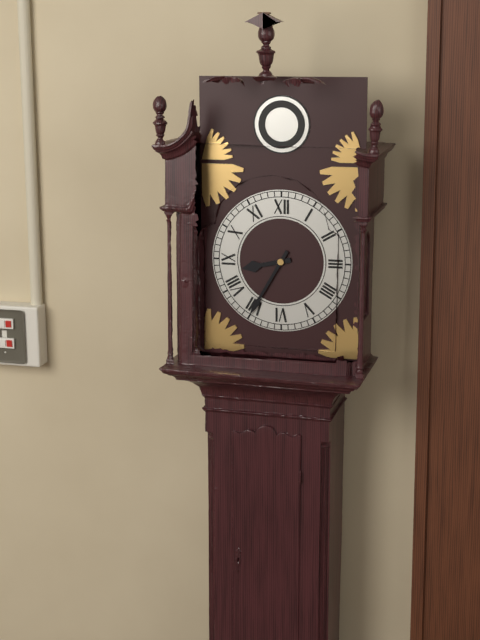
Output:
8:35
